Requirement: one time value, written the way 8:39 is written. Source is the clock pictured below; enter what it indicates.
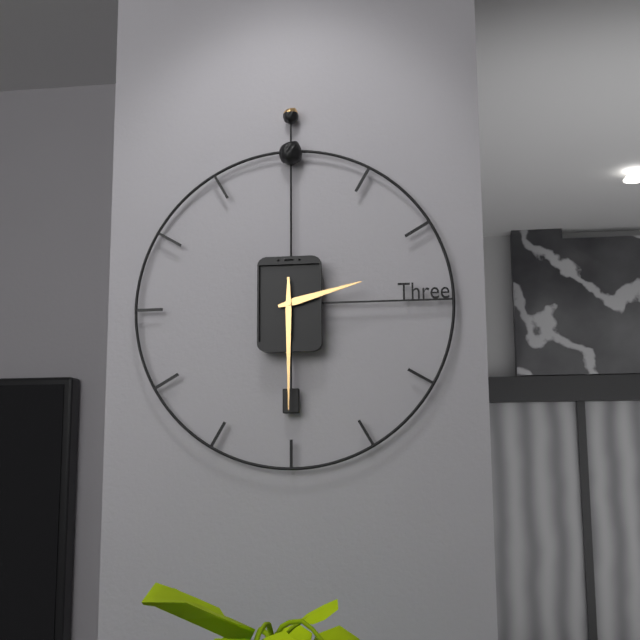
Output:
2:30
